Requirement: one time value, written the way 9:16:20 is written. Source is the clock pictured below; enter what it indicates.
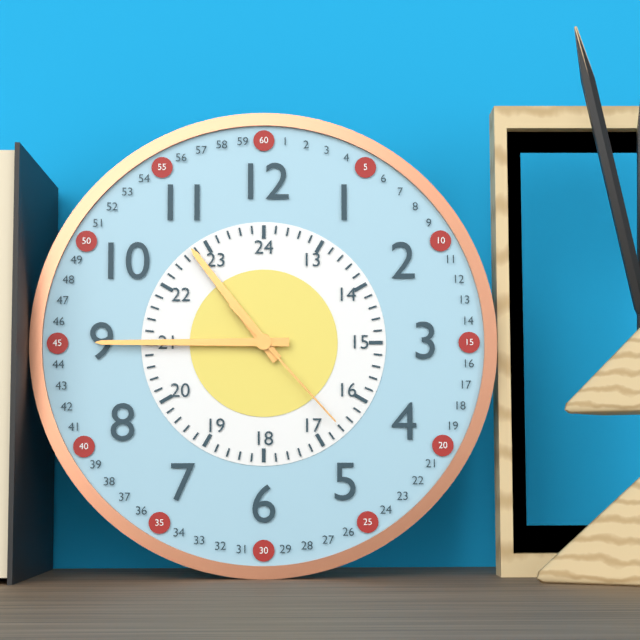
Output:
10:45:23
